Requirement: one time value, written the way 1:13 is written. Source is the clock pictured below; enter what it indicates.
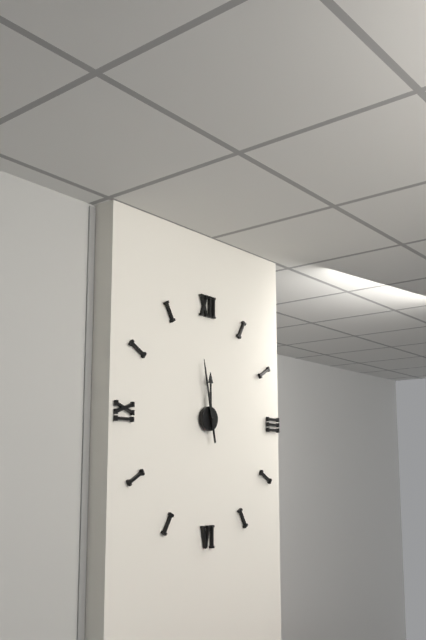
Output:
11:58
